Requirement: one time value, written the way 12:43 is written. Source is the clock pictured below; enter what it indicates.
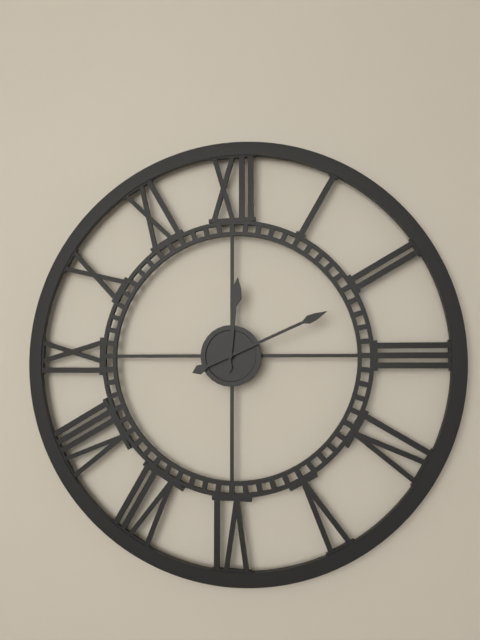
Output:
12:11
